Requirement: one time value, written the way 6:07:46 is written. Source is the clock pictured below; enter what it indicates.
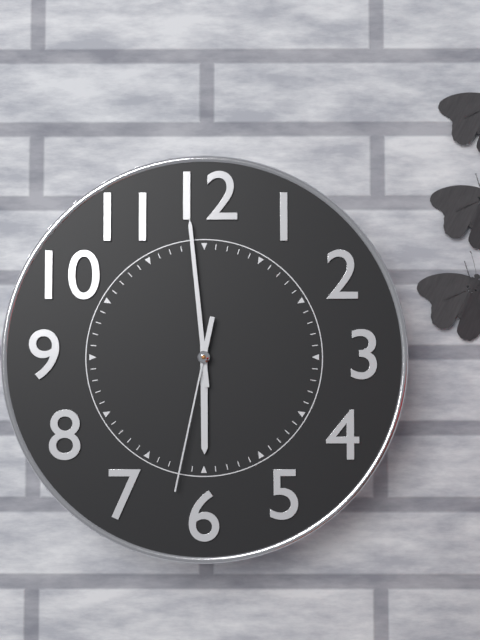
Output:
5:59:32
